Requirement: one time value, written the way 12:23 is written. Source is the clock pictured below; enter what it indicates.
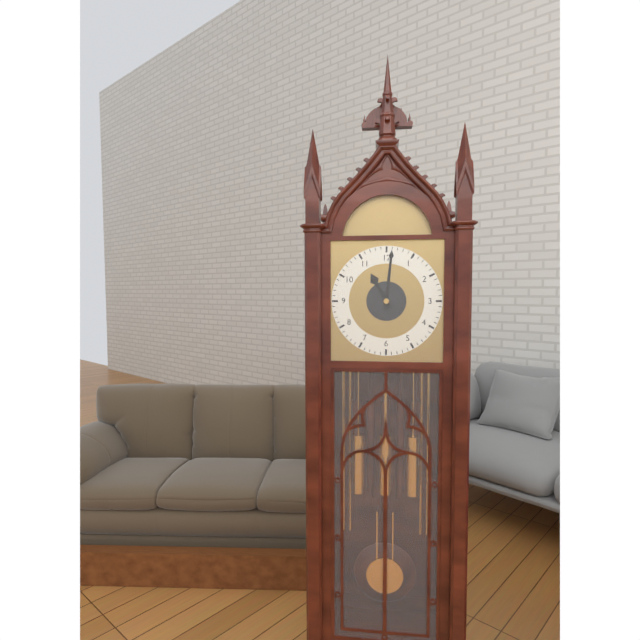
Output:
11:01
